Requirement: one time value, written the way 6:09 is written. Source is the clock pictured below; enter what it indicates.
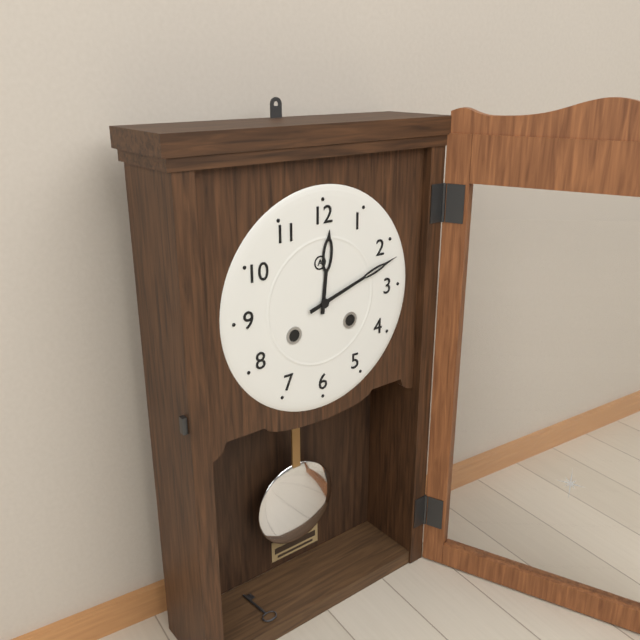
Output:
12:12
